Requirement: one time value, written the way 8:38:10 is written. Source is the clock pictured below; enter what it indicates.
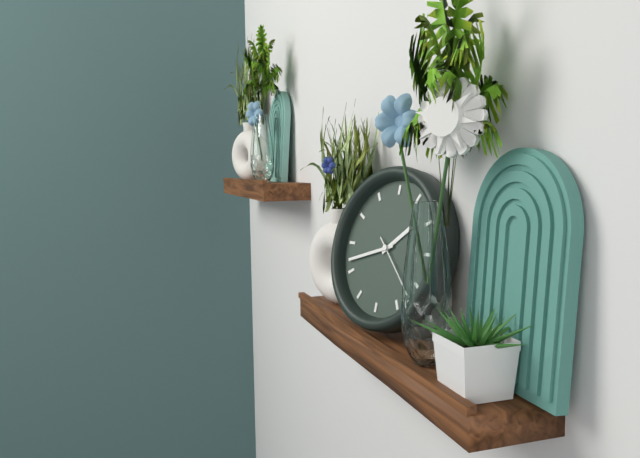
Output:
1:42:22
